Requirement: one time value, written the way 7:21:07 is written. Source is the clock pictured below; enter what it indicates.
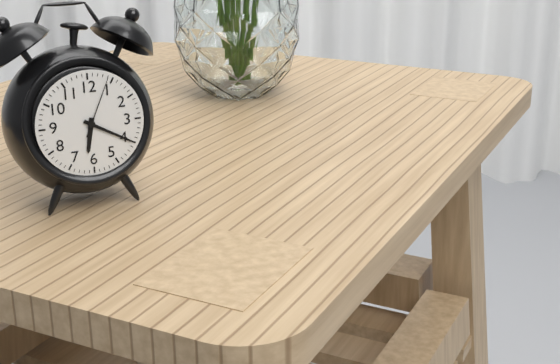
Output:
6:20:04
